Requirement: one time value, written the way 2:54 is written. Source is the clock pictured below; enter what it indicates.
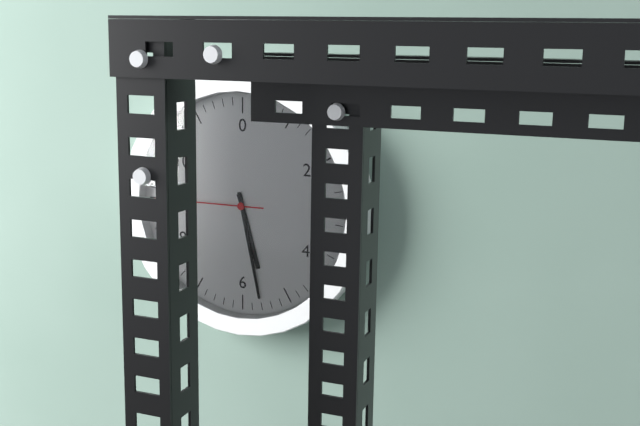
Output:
5:28
